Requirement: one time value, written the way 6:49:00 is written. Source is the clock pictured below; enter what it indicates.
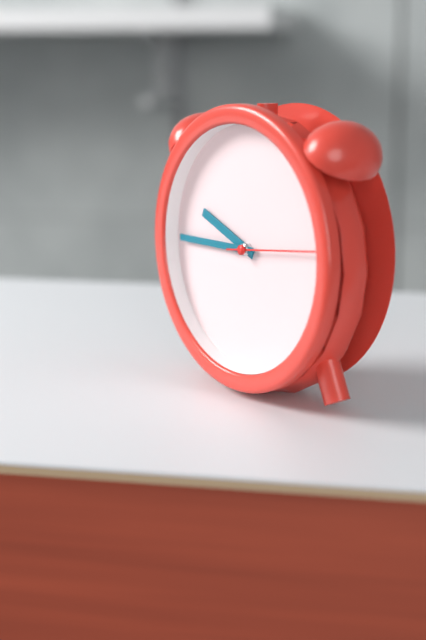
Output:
9:45:14
